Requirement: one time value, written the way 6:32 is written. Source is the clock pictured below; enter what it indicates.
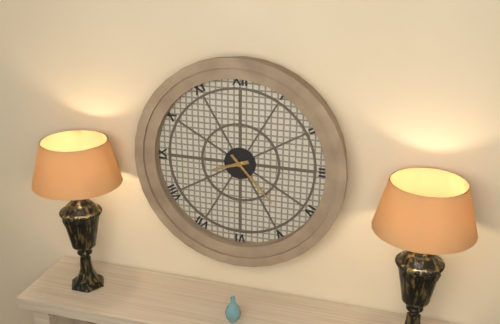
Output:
8:23
